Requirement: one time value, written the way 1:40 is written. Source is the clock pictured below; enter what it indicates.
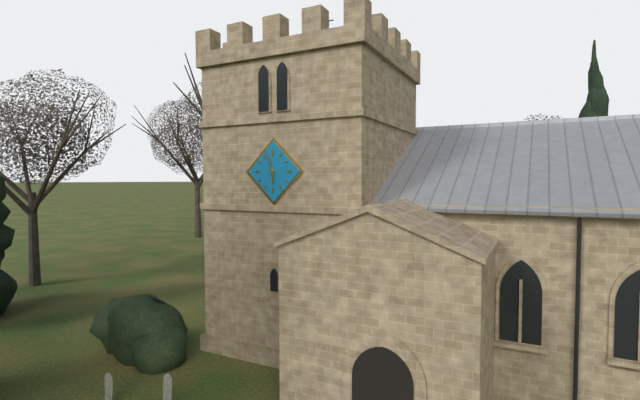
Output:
5:57
